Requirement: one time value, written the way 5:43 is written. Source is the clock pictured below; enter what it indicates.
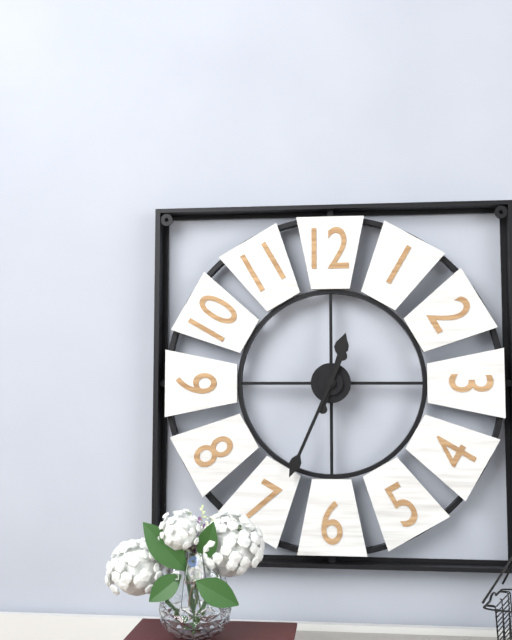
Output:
12:34
